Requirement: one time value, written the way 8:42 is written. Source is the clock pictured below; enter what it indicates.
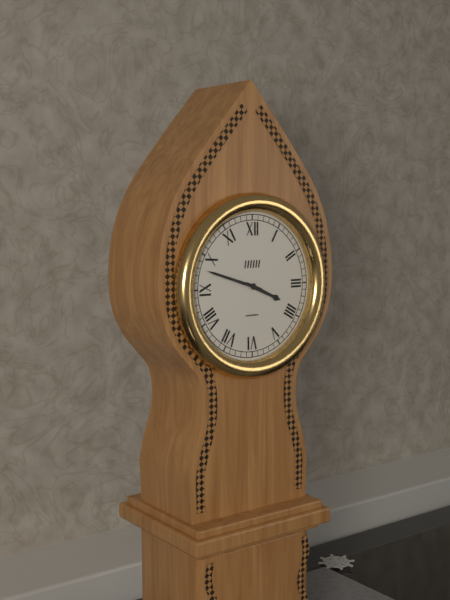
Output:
3:48
